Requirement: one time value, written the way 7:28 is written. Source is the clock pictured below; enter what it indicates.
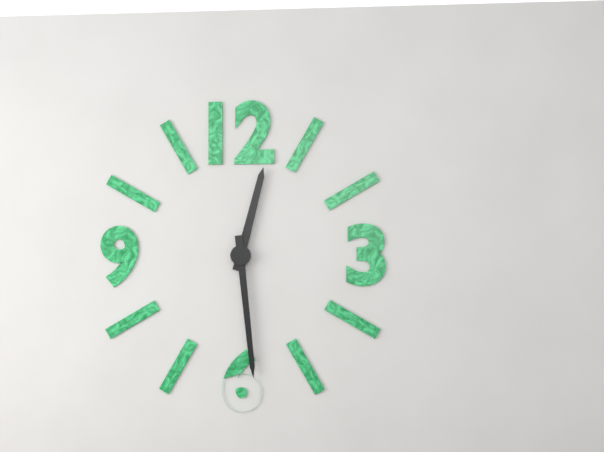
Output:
12:29
